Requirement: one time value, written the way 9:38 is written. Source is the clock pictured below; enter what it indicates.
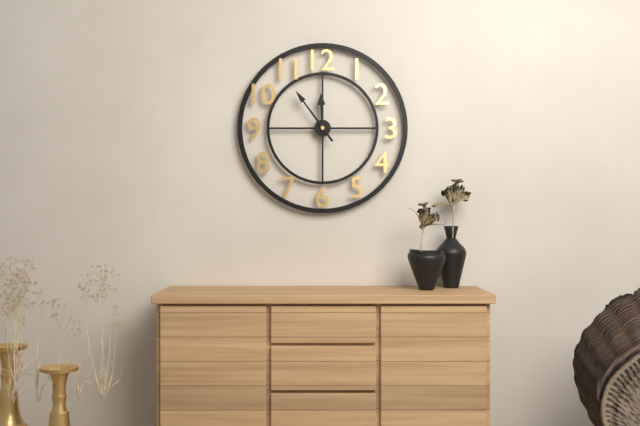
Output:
11:54
